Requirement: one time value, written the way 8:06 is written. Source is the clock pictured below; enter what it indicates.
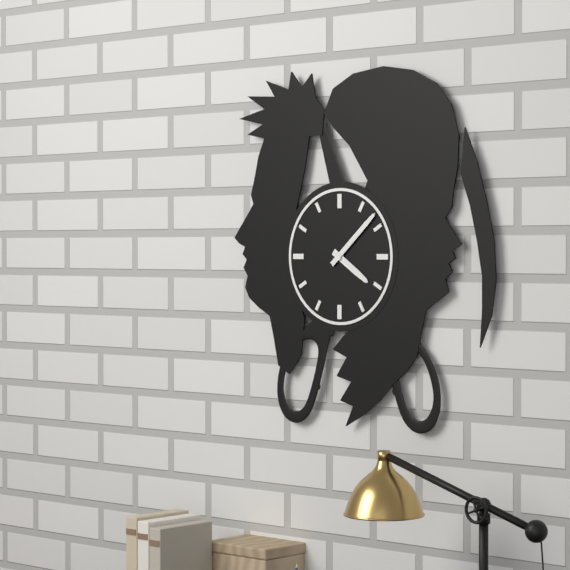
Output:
4:08
